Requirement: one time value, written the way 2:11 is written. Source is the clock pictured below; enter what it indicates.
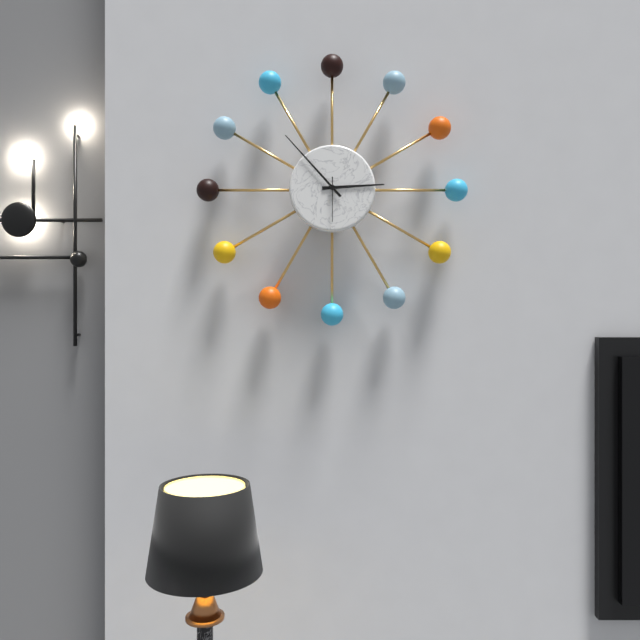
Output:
2:53
